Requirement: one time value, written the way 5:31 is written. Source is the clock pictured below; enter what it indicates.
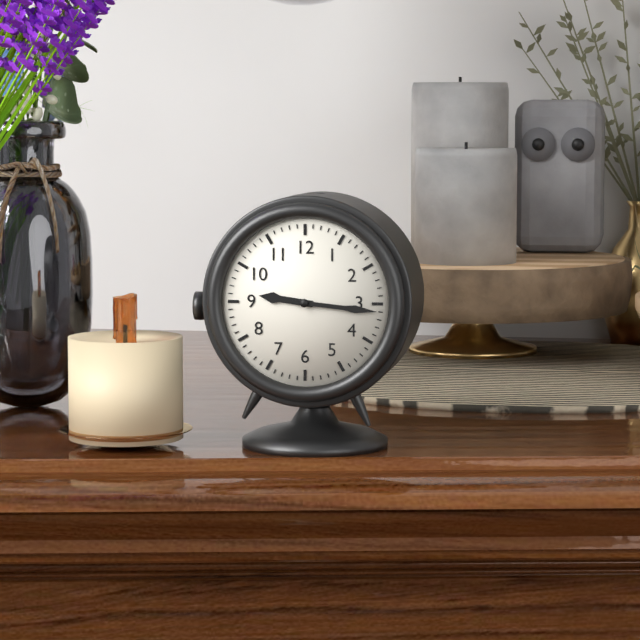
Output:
9:16
